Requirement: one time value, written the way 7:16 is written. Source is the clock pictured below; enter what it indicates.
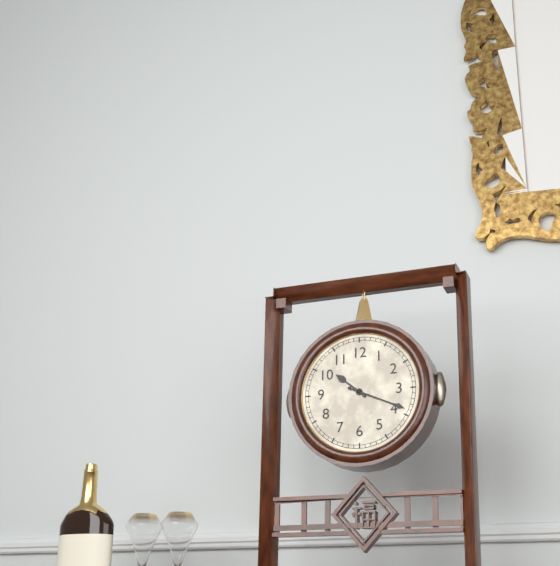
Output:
10:19
